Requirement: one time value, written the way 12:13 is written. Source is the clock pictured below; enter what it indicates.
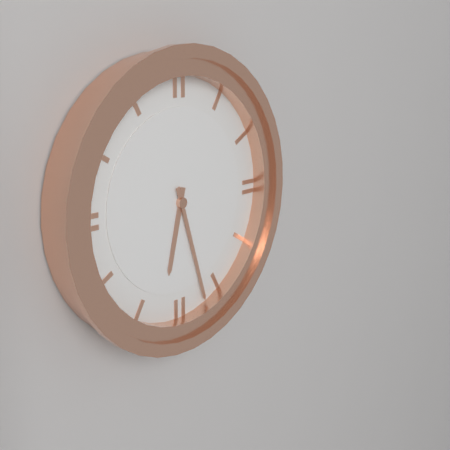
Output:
6:27
